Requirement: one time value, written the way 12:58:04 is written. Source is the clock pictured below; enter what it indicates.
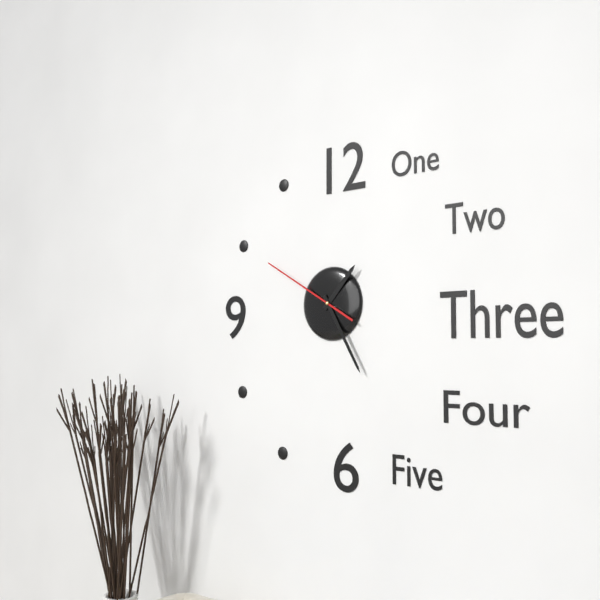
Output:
1:25:50
